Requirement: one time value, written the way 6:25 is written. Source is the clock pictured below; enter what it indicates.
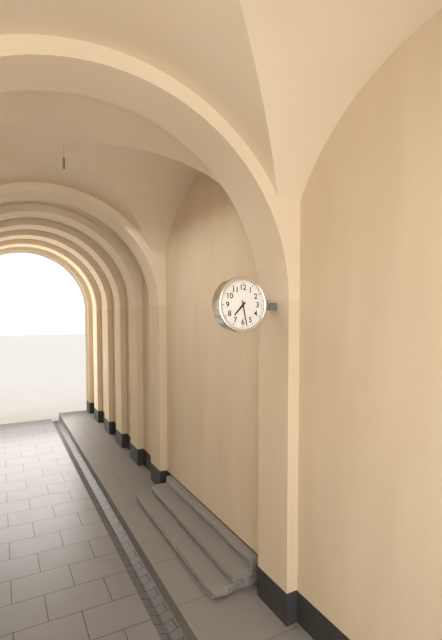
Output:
7:28
